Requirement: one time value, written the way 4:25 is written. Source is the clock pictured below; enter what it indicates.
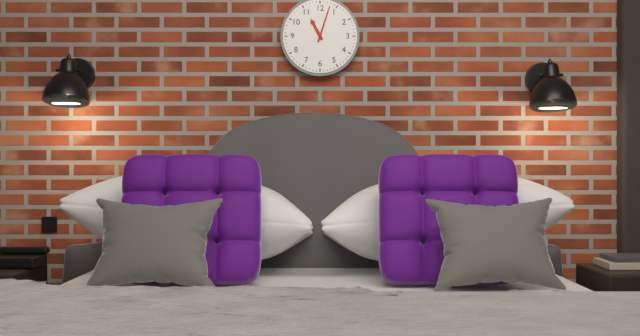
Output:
11:03
